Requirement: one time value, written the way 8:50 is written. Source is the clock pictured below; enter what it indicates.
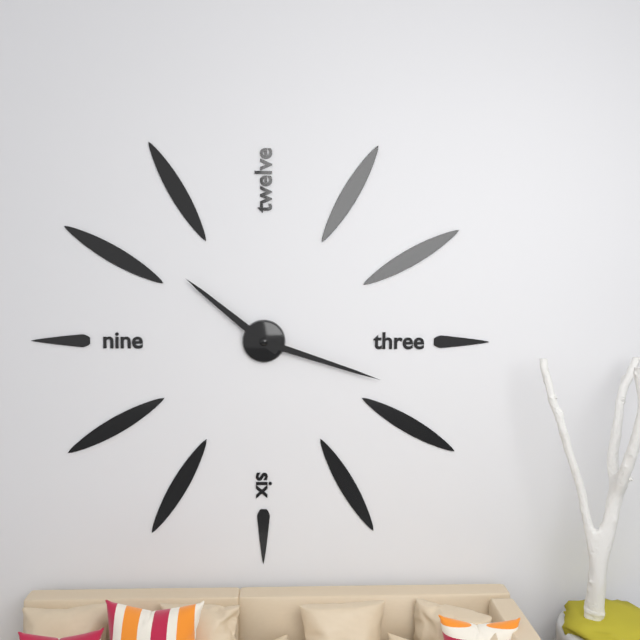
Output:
10:18
